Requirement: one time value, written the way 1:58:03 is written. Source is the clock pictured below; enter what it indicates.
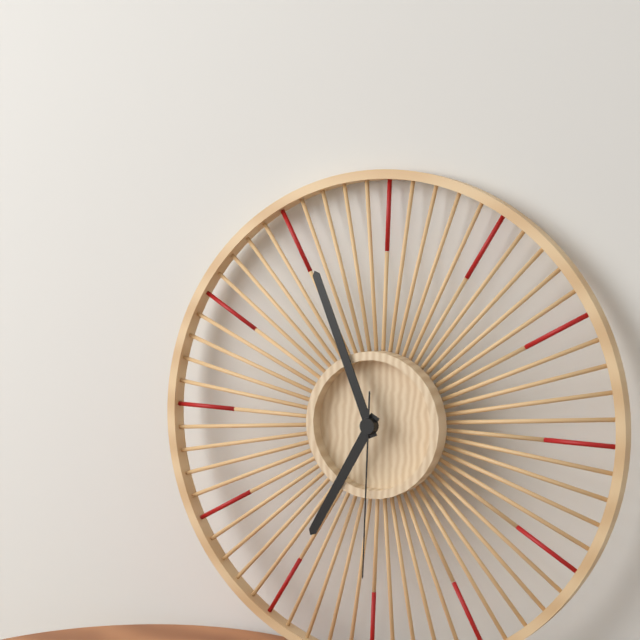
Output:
6:56:30
